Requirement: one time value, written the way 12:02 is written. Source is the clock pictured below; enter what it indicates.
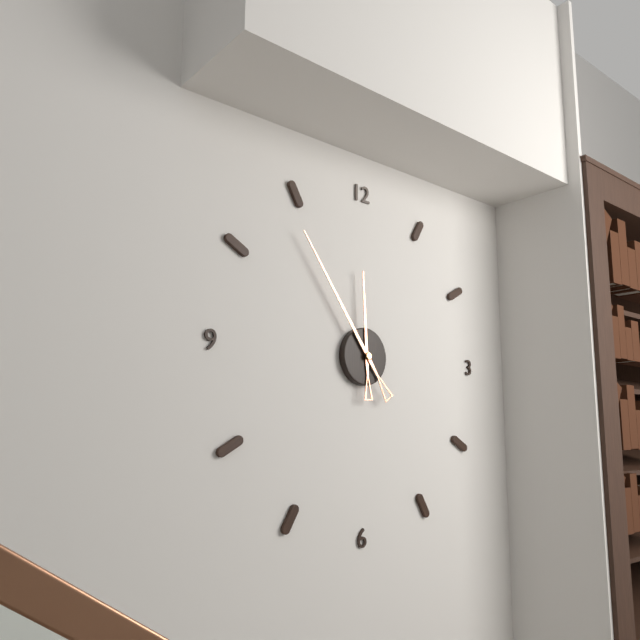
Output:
11:54
